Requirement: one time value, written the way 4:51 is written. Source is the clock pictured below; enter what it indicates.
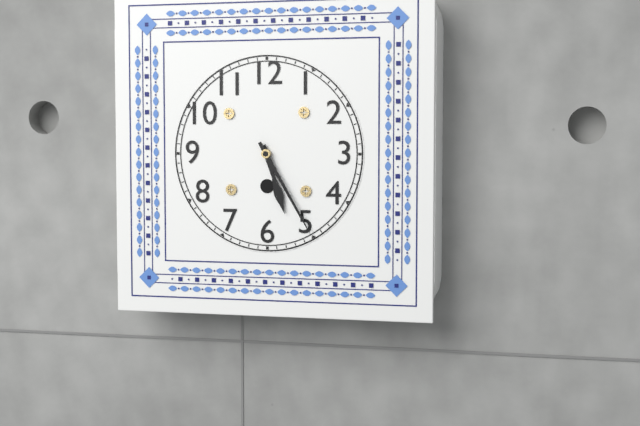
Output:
5:25
